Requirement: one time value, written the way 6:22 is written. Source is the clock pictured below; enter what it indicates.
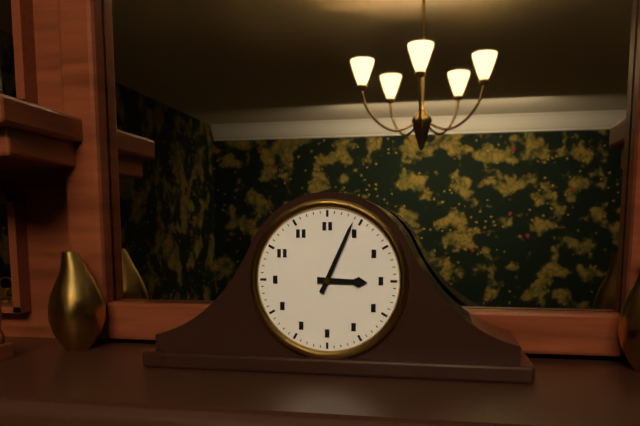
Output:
3:04
